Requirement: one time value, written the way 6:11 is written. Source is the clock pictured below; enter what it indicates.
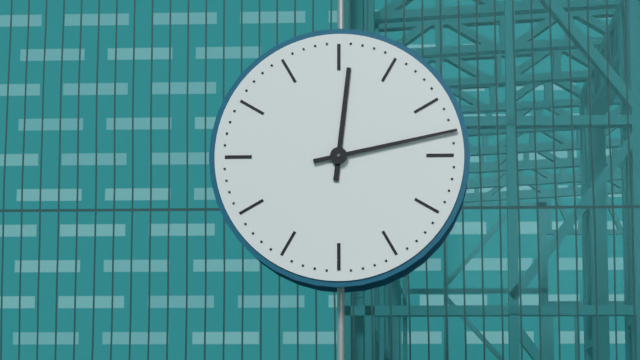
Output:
12:13
